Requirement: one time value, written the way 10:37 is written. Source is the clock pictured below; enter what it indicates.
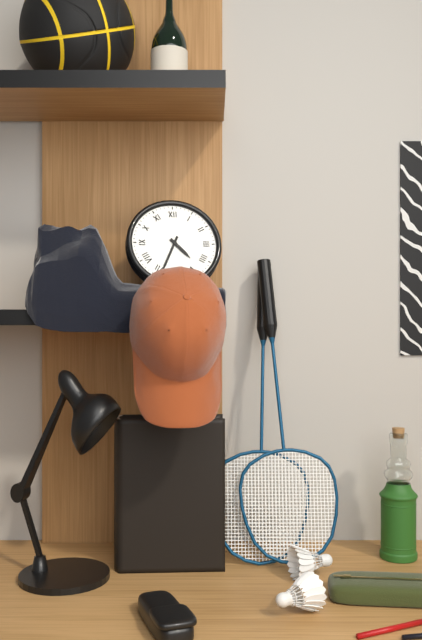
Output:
4:34
